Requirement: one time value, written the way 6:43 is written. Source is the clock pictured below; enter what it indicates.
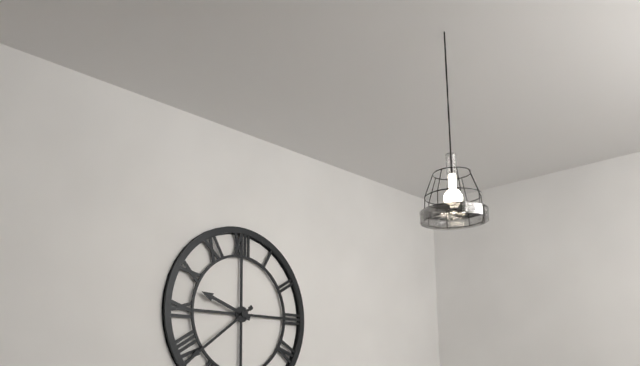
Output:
9:39
